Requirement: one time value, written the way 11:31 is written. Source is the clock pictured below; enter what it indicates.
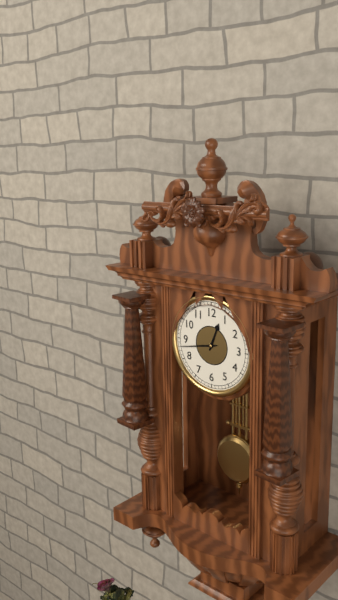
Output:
12:43
